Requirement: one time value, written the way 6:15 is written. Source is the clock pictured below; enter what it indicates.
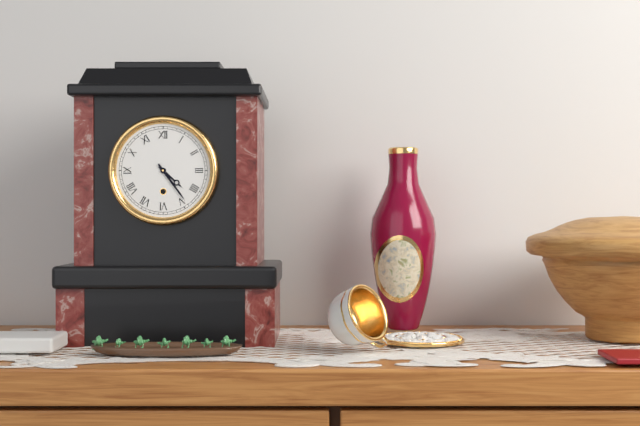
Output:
4:24
